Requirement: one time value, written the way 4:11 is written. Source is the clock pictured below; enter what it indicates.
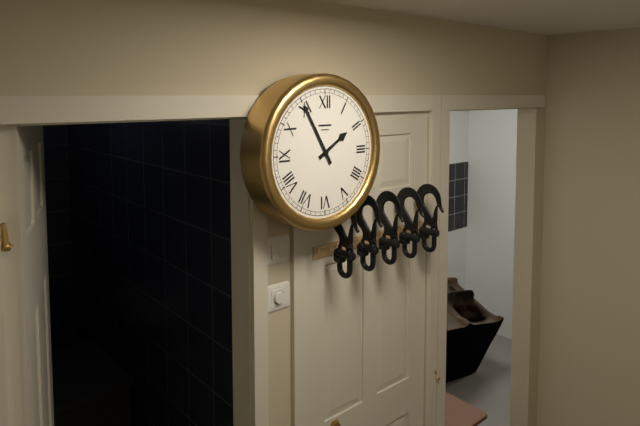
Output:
1:55
